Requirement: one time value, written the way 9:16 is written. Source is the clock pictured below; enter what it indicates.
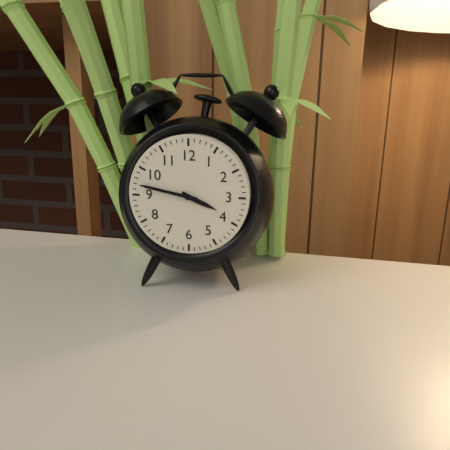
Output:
3:47
